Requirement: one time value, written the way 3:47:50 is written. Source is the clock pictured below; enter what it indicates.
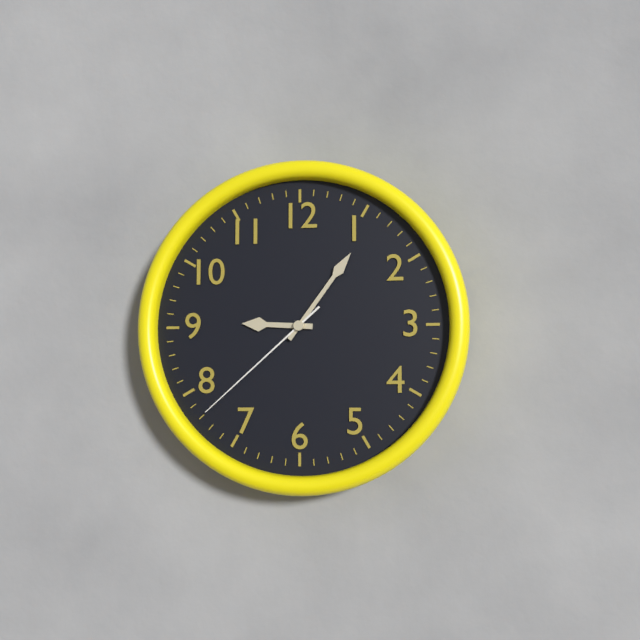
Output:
9:06:38
